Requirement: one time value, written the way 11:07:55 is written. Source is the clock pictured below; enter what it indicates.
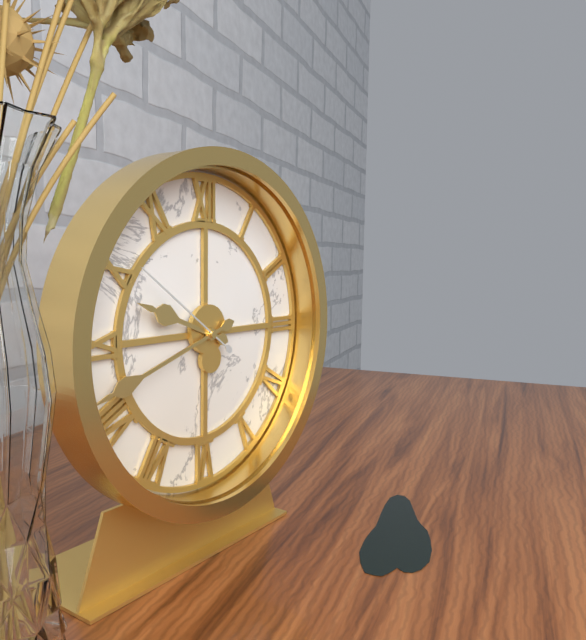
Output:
9:42:51
